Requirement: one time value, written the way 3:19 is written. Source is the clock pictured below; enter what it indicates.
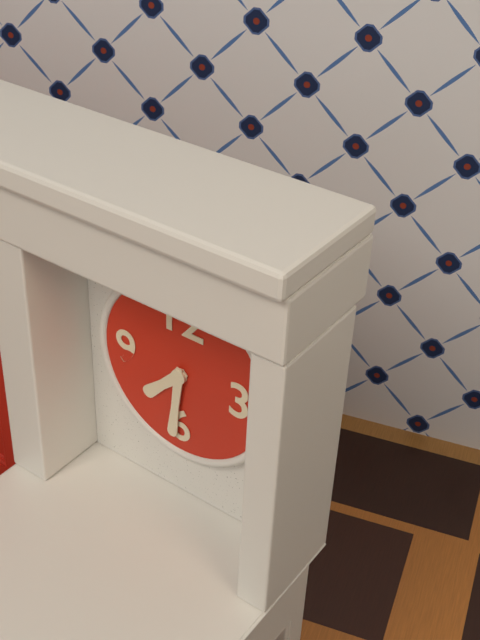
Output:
7:31
